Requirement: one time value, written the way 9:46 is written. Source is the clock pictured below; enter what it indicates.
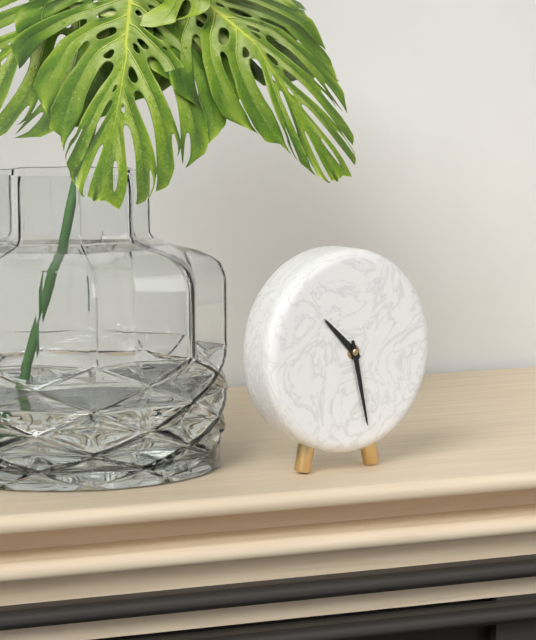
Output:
10:28
